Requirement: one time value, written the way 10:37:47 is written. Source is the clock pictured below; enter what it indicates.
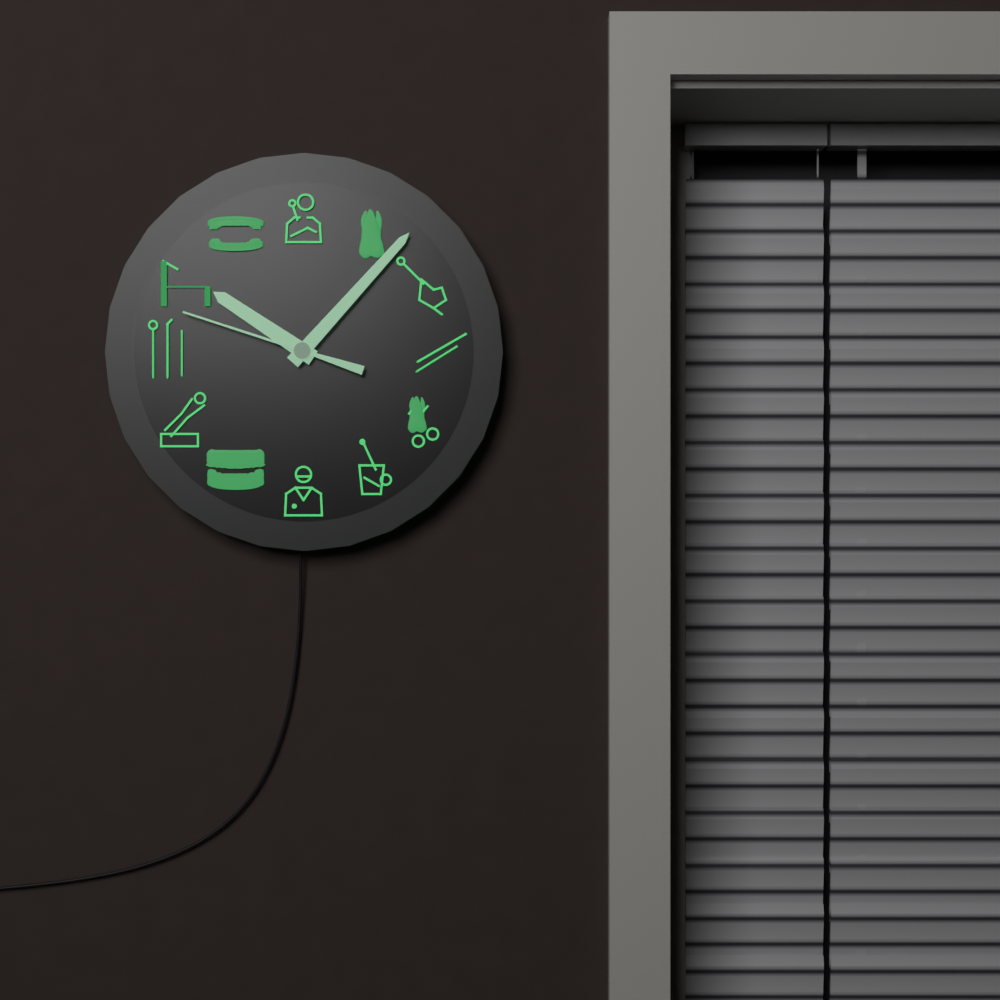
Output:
10:07:48
